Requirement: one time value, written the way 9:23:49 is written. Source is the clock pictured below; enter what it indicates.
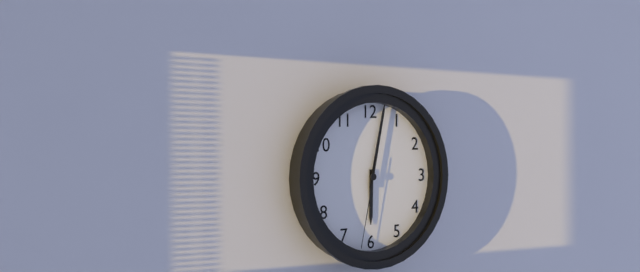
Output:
6:02:32
